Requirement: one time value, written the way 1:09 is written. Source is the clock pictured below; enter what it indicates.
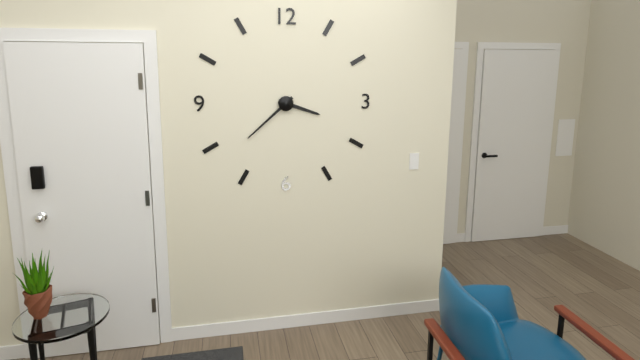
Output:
3:38
